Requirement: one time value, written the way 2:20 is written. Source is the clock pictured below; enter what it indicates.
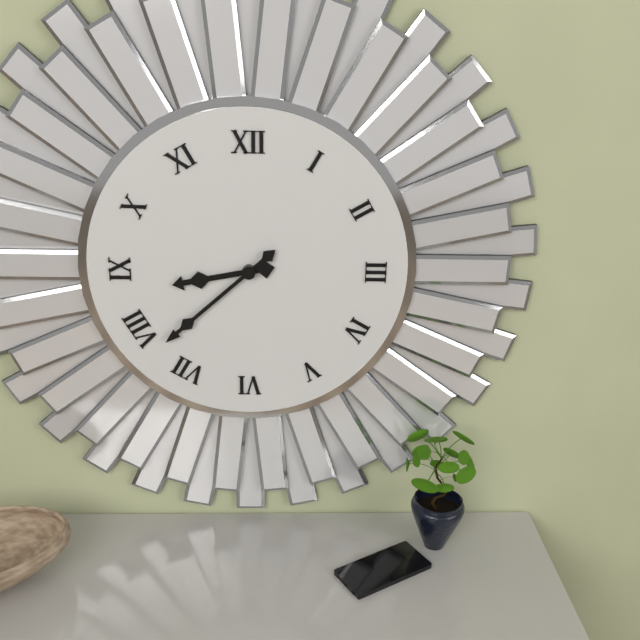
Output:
8:38
